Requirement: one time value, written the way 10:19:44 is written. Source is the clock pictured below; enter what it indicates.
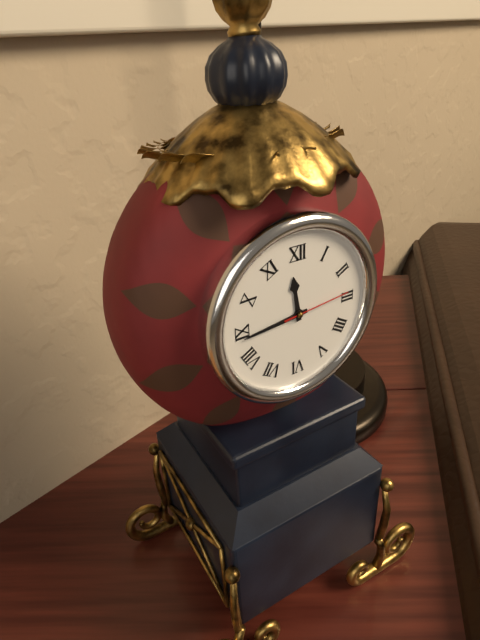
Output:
11:44:14
